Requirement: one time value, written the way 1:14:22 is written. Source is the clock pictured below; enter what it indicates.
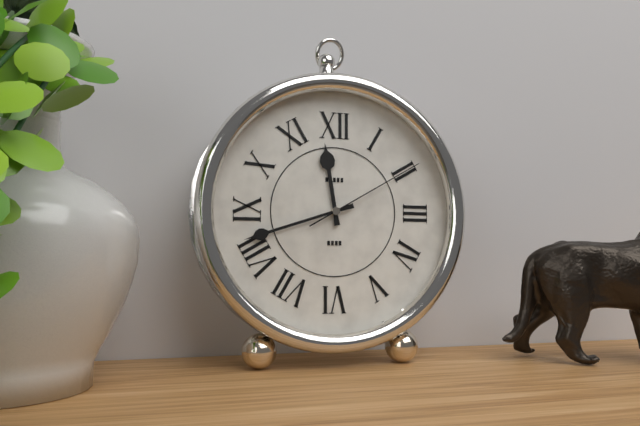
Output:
11:42:10
